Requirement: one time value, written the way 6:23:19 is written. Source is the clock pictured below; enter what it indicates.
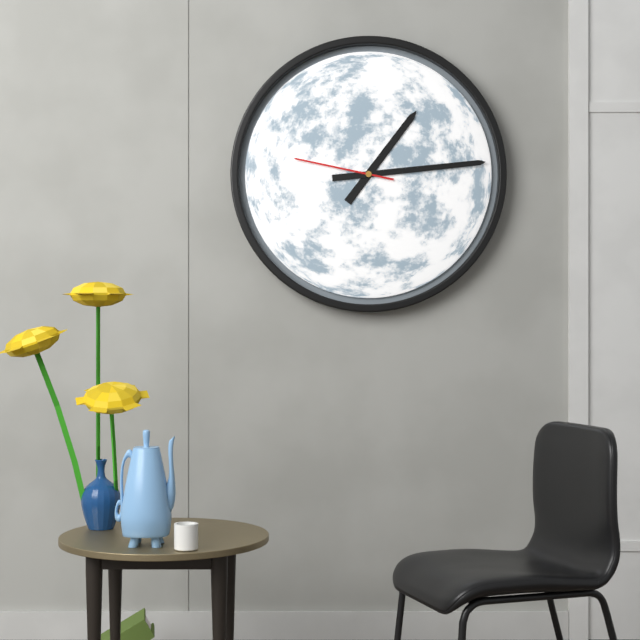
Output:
1:14:47
